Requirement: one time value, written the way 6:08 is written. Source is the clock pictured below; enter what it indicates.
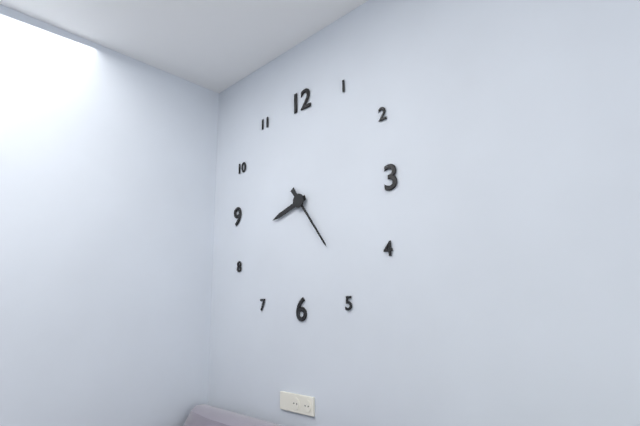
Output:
8:24
